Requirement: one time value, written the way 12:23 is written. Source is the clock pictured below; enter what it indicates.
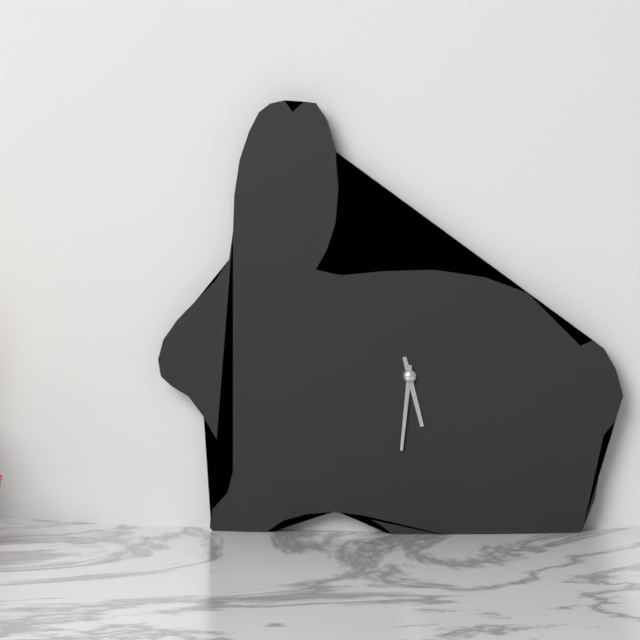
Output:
5:31
